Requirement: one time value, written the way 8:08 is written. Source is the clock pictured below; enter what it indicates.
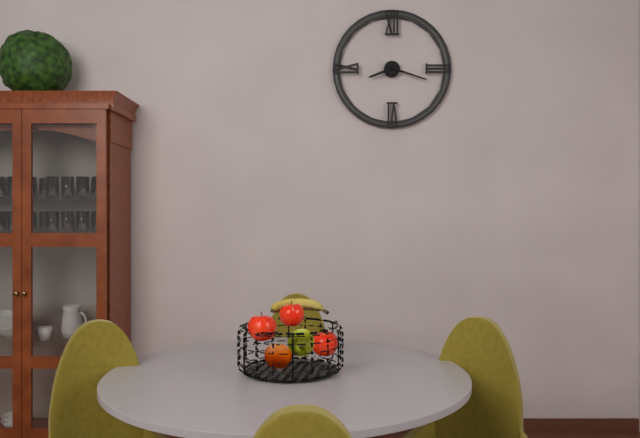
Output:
8:18
